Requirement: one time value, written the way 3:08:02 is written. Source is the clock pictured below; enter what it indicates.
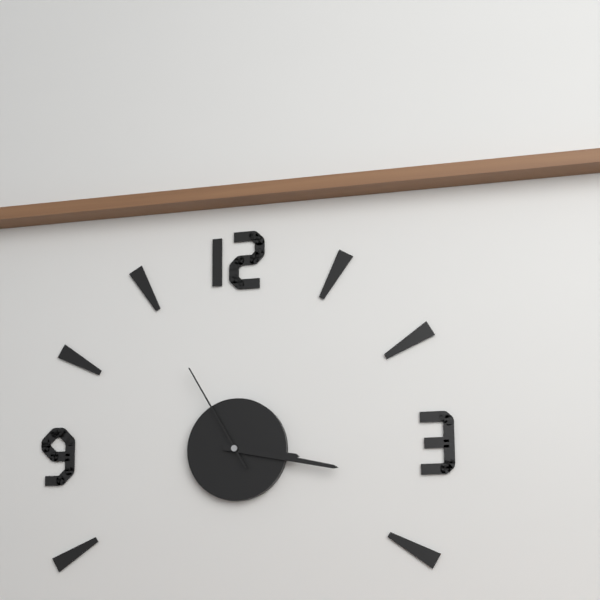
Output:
3:17:55
